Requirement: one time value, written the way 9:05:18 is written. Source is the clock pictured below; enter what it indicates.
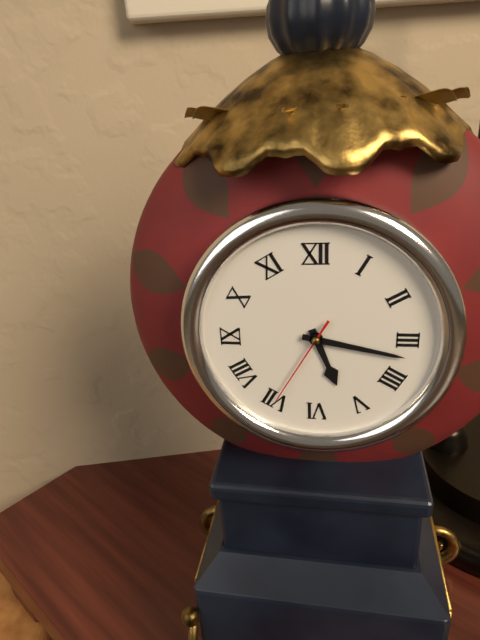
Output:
5:17:35
